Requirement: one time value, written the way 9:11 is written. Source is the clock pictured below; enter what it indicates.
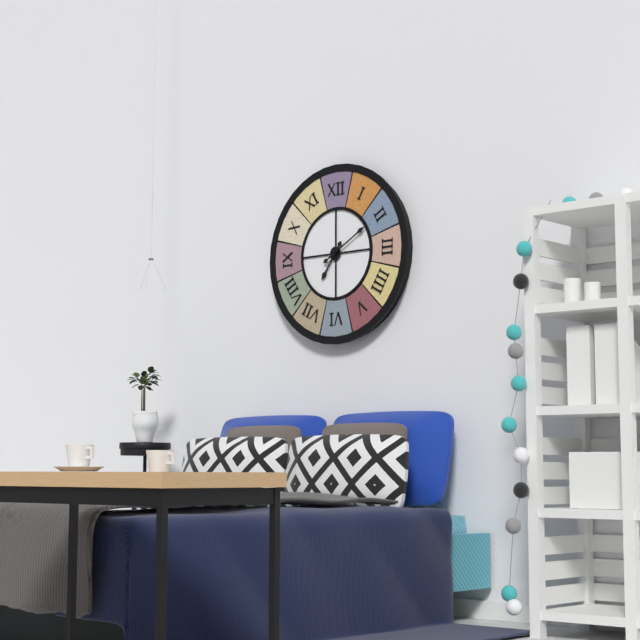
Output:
7:10
